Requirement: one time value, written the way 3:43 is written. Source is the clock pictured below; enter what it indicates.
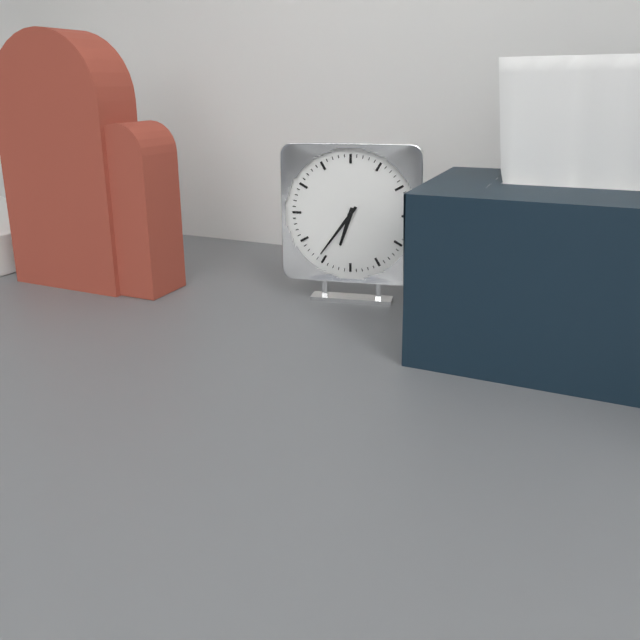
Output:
6:36
